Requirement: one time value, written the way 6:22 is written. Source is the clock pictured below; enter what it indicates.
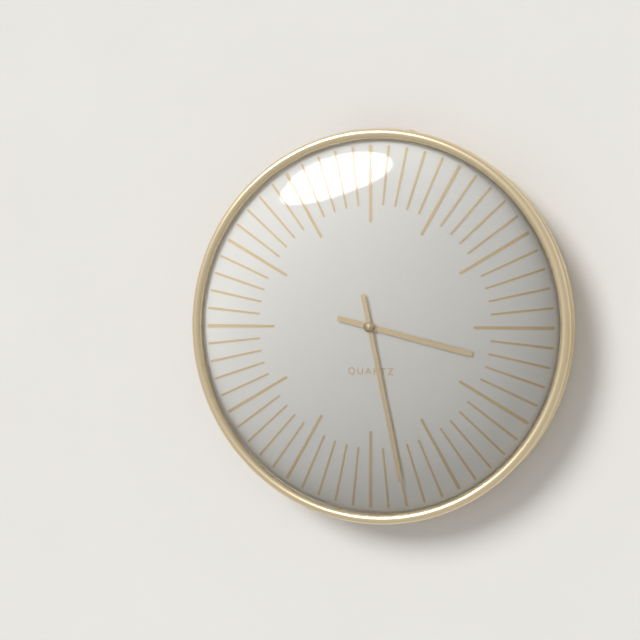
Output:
3:28
